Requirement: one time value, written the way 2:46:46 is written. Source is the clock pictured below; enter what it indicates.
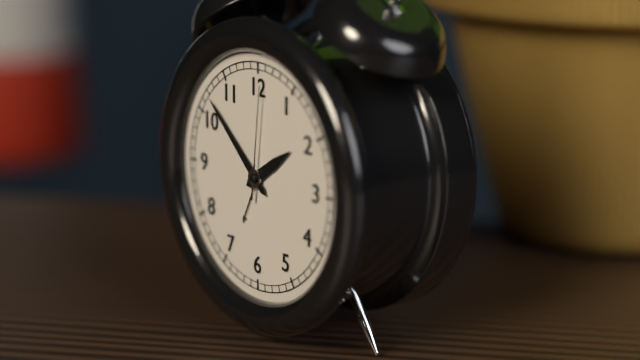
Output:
1:52:01
